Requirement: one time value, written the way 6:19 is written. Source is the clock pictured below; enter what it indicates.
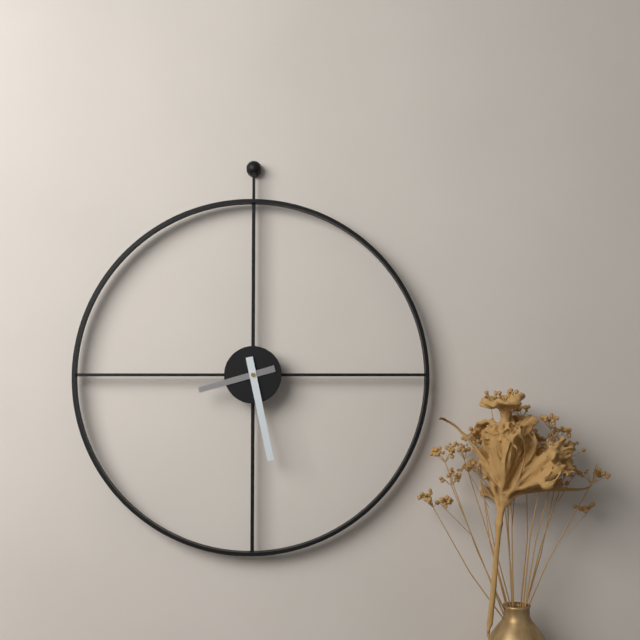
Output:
8:28
